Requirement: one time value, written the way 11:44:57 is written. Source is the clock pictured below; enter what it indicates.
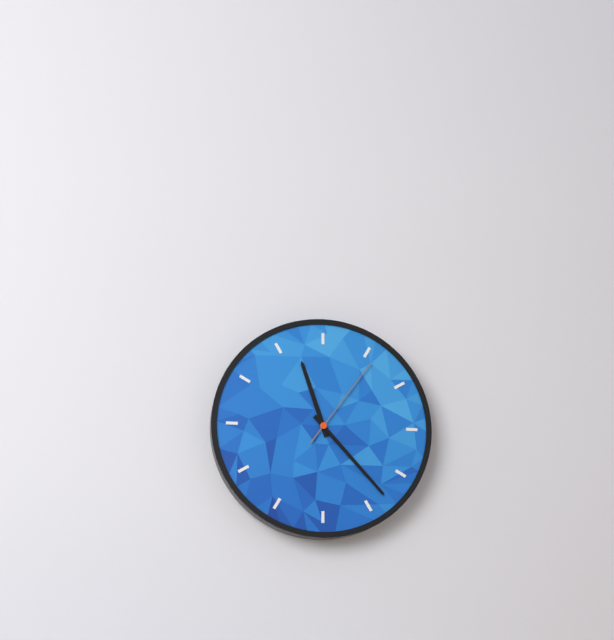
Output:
11:23:06
